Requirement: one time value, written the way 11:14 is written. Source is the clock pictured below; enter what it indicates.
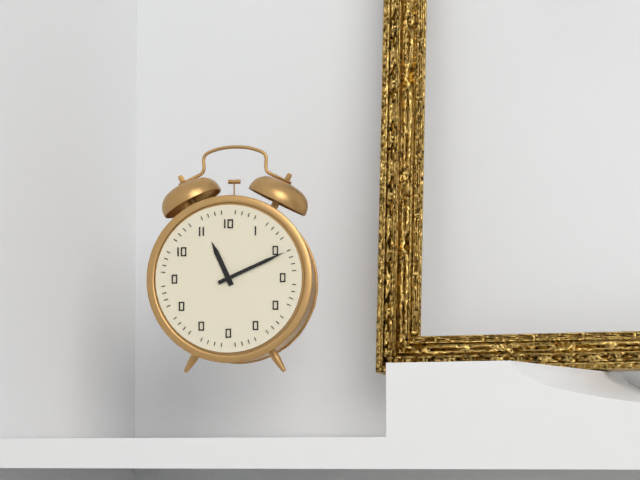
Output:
11:11
